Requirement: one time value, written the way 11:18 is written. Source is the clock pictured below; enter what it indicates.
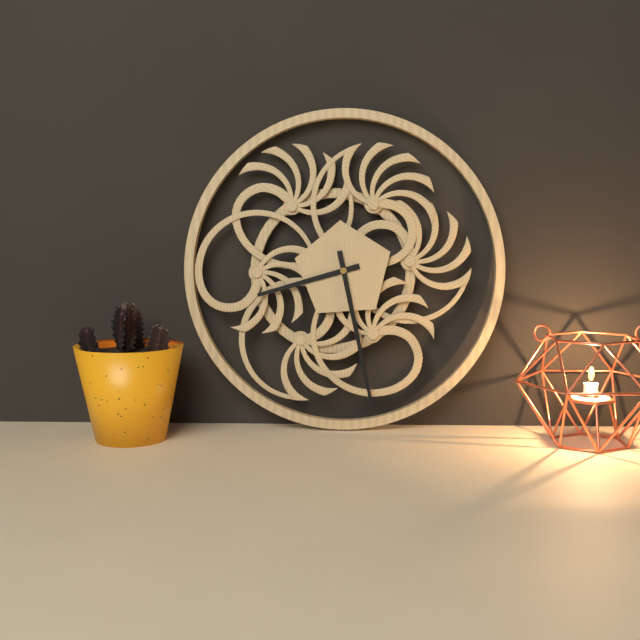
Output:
8:28
